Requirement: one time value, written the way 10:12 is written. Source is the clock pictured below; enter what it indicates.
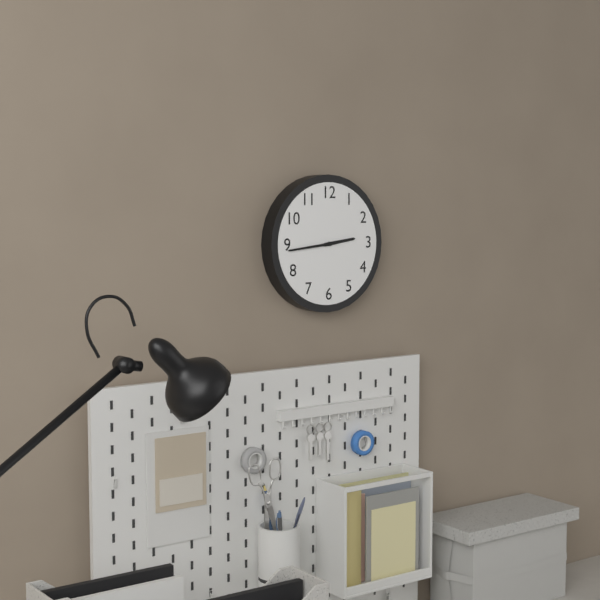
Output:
2:44
